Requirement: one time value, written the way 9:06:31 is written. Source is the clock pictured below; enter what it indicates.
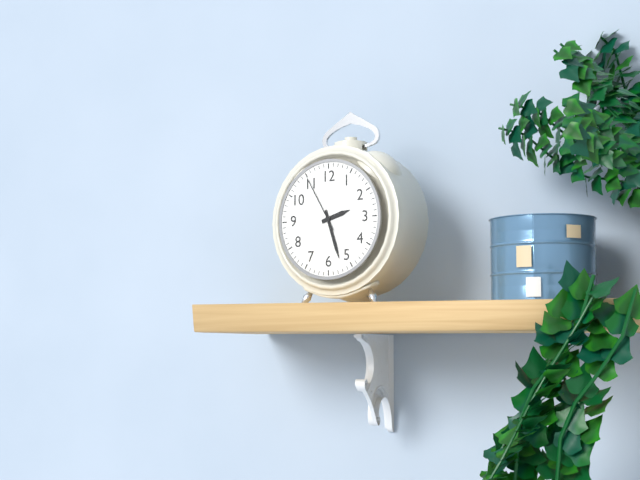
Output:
2:27:55
